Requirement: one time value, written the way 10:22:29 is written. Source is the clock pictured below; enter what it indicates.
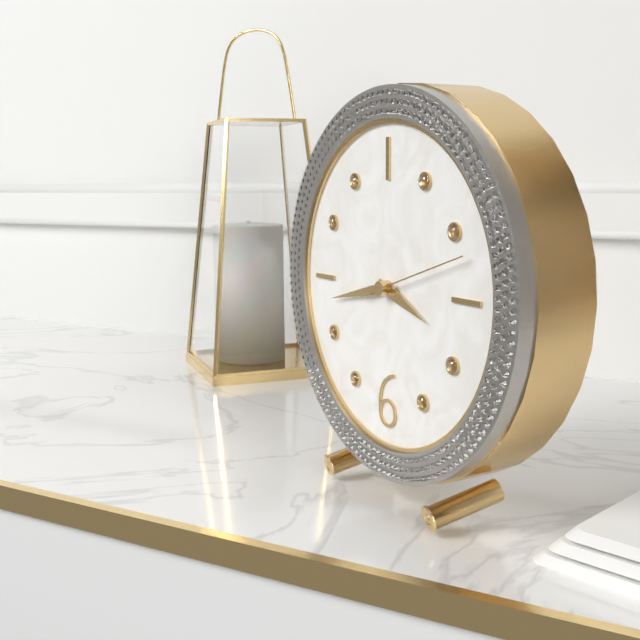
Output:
3:43:12
